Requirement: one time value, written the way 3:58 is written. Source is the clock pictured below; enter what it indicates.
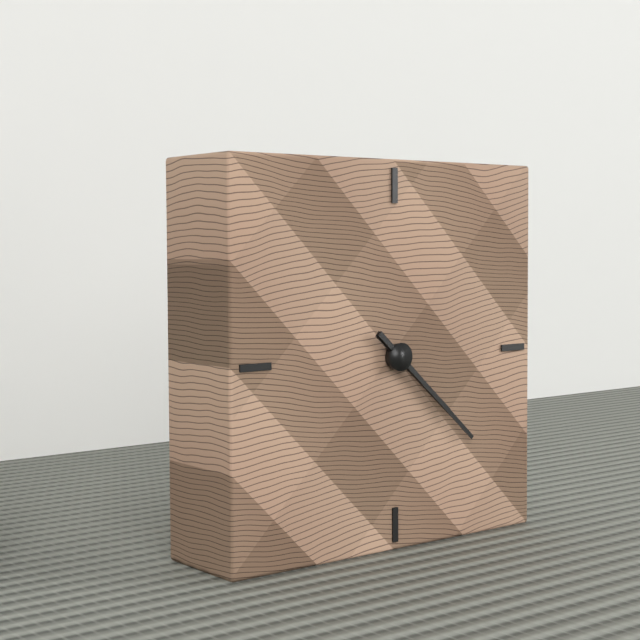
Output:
4:22
